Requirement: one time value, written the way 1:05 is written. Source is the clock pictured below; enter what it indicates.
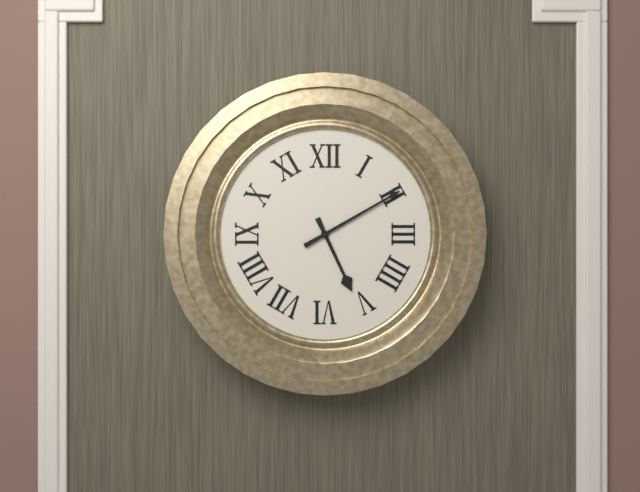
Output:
5:10
